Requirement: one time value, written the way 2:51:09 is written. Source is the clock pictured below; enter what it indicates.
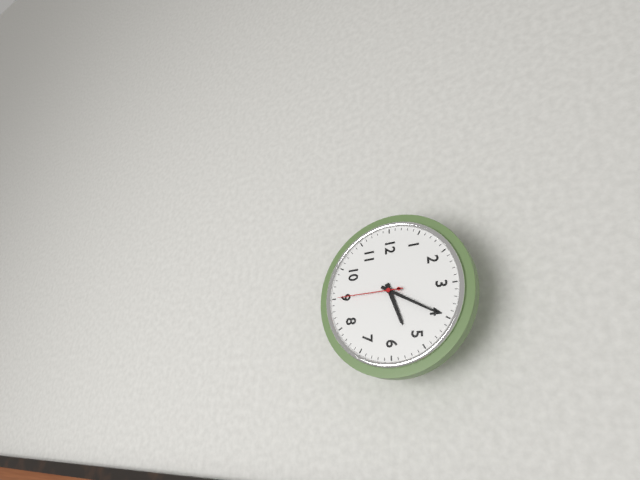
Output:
5:20:45
